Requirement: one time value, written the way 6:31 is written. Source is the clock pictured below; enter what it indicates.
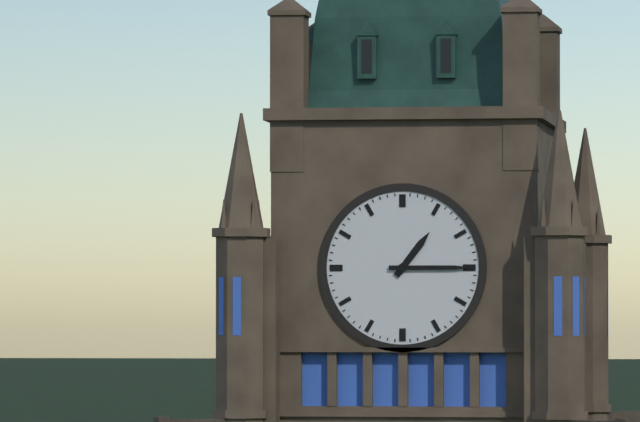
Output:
1:15
